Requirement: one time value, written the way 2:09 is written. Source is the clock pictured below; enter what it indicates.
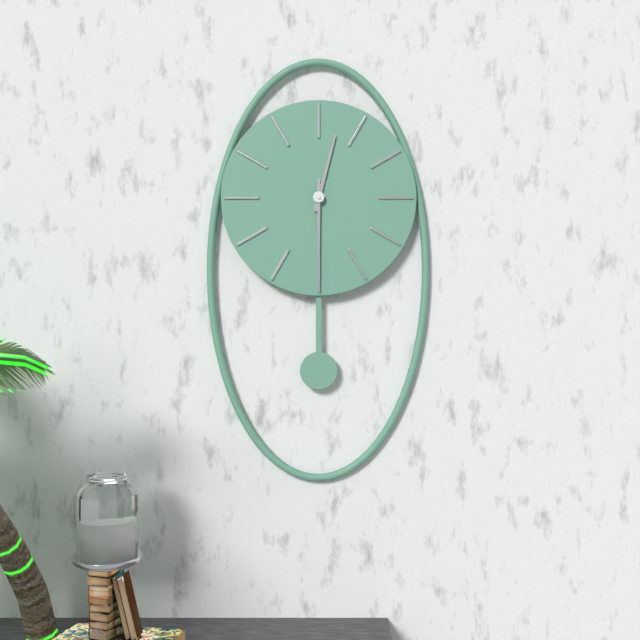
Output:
12:30
